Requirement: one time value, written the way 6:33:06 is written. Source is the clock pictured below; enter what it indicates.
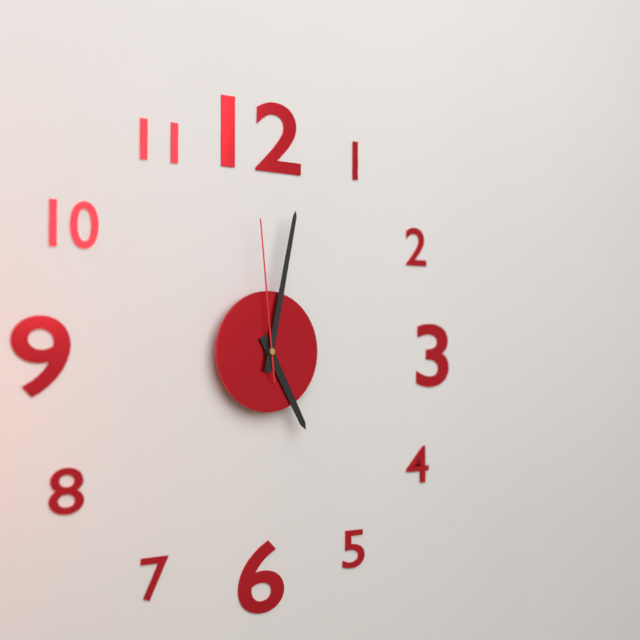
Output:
5:02:59
